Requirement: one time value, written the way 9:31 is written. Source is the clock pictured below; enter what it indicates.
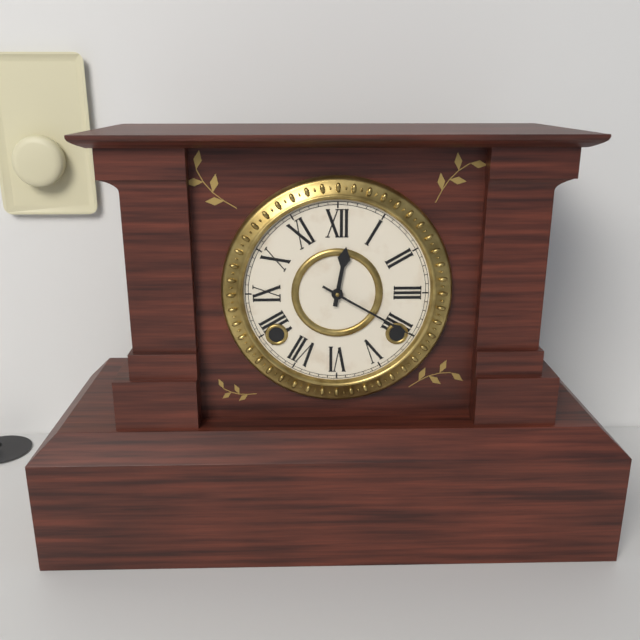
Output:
12:20
